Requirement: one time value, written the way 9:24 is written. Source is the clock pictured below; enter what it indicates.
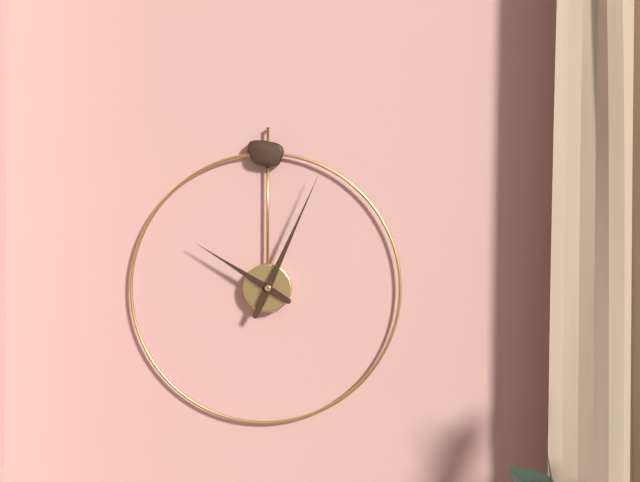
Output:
10:04
